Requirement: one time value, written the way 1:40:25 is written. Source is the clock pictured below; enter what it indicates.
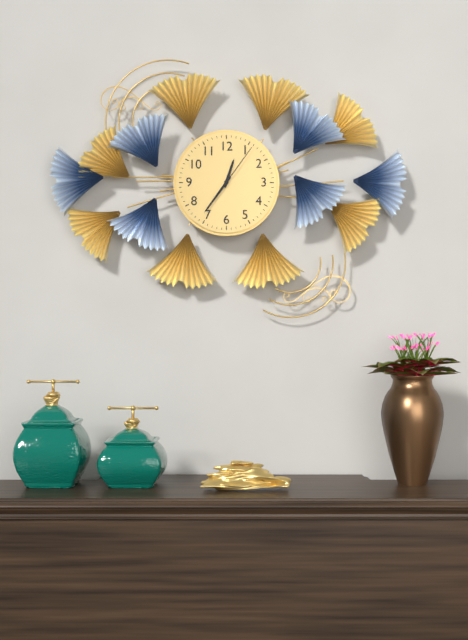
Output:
12:36:06
